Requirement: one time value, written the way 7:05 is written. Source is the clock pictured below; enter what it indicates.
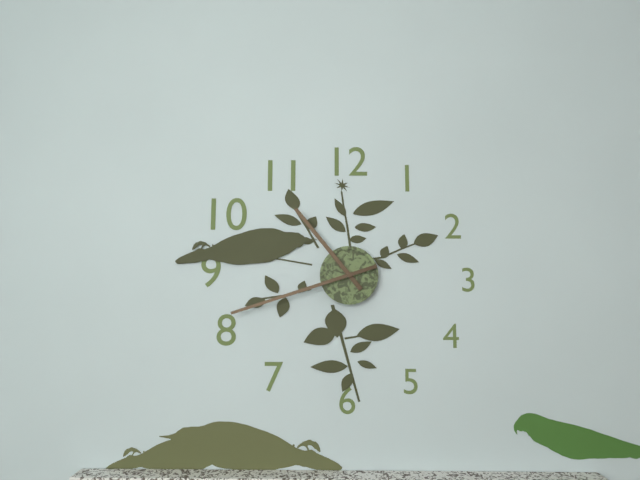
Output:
10:42
